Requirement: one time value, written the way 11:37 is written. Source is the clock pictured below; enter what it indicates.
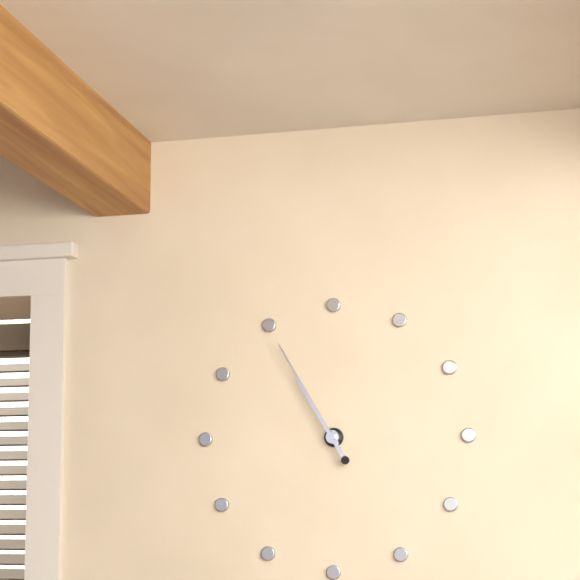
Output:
10:55
